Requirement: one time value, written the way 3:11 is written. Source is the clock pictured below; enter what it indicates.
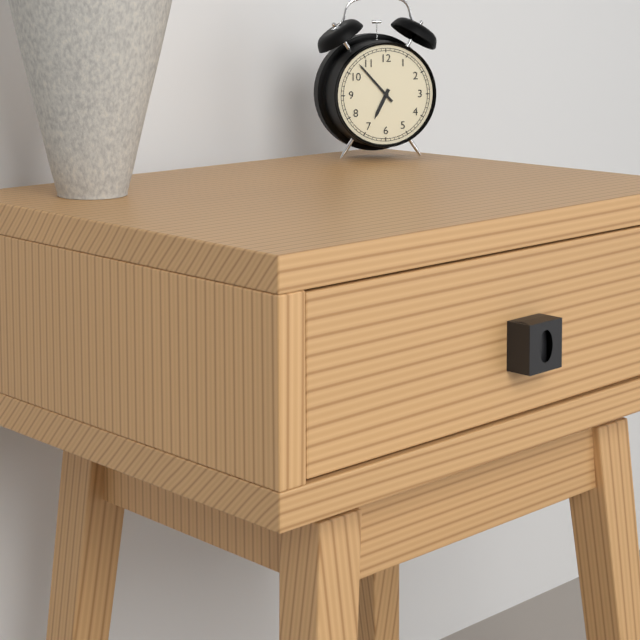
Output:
6:53
